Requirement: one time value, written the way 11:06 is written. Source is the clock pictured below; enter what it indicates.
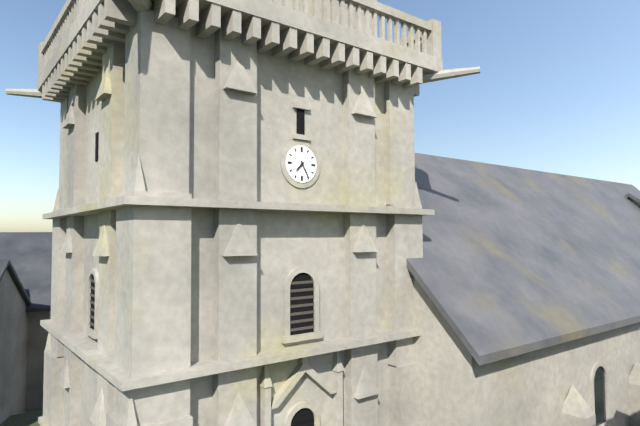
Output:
7:25
